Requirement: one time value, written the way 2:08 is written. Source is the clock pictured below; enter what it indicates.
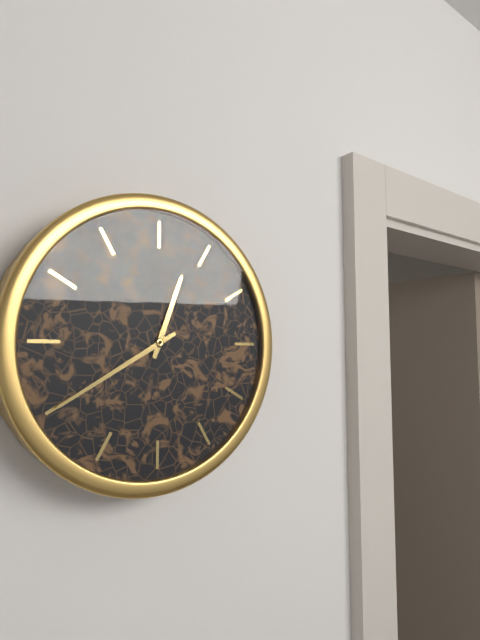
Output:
12:40
